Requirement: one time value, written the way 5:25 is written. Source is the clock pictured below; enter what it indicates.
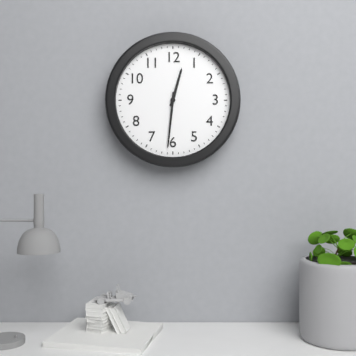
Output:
12:31
